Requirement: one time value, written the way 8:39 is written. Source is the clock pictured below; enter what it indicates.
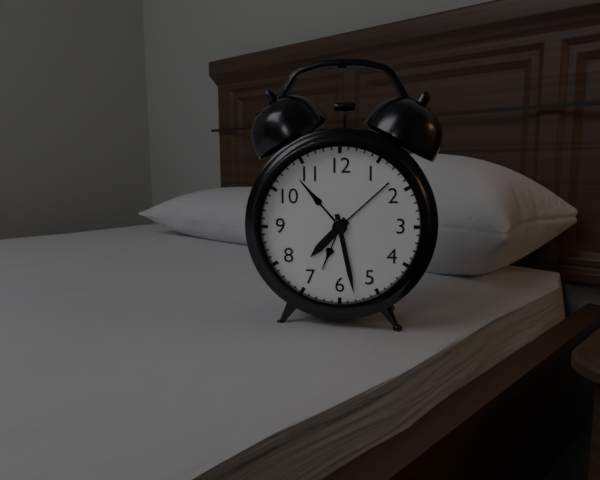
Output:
7:28
